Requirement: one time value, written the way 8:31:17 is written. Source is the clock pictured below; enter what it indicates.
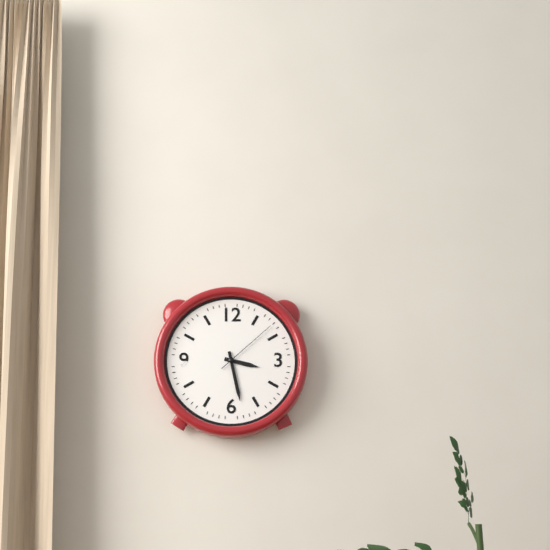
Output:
3:28:08
